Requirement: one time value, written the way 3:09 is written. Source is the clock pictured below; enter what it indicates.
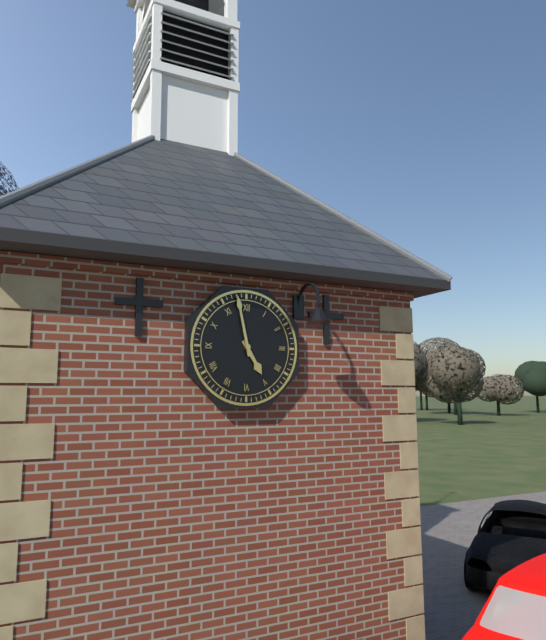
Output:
4:58
